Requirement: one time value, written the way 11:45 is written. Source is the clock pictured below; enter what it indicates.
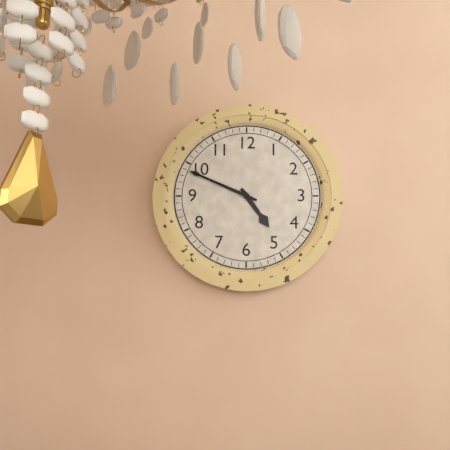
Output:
4:49
